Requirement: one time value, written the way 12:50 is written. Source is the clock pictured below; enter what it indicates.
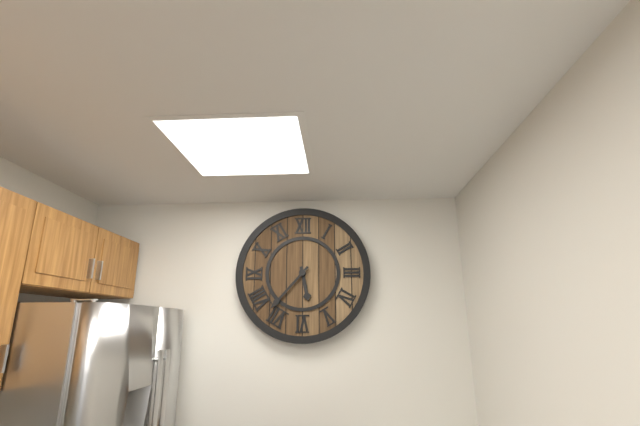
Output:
5:37
